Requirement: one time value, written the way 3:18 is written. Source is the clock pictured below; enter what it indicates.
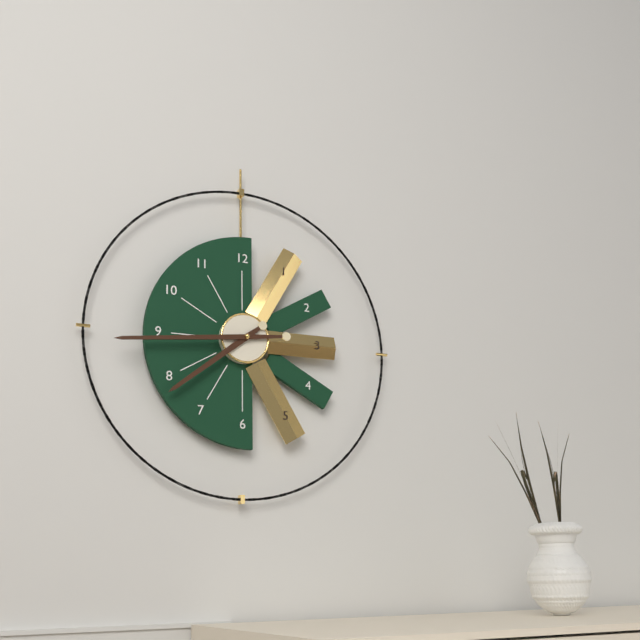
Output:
7:44
